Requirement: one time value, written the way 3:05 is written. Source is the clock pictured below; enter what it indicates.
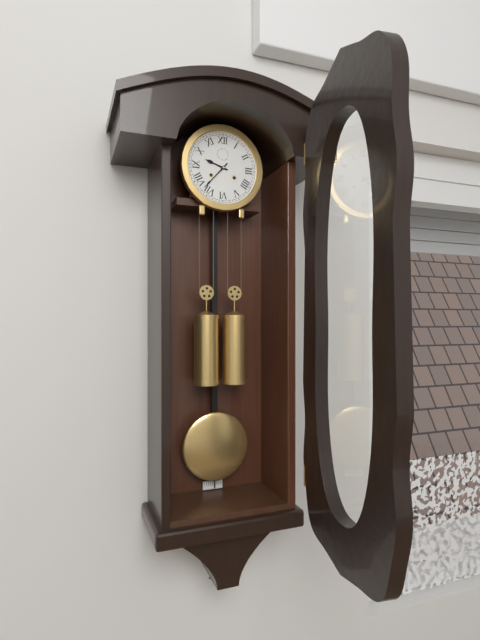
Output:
9:37
